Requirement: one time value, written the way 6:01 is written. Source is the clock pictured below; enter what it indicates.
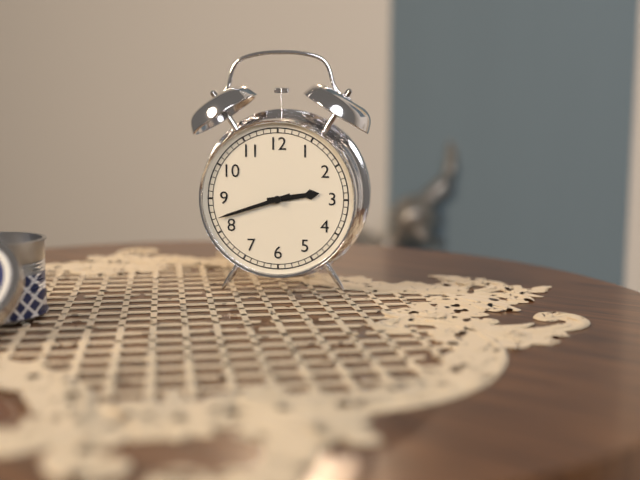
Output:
2:42
